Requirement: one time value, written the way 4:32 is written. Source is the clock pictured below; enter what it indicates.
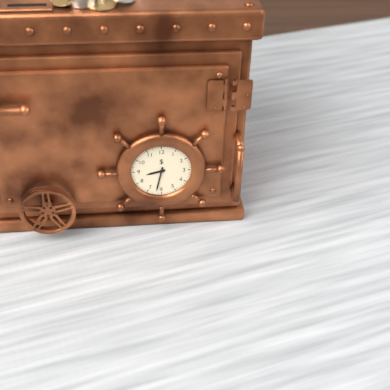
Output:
8:32
